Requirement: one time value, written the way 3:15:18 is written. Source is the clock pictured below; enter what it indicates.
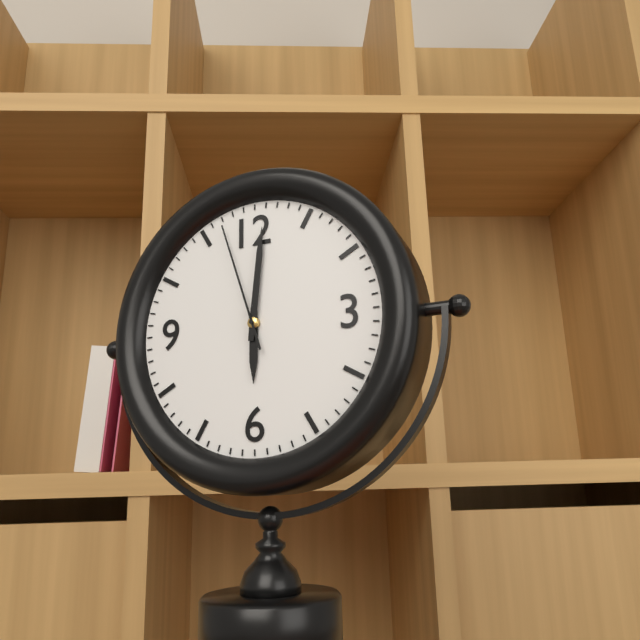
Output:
6:01:57
